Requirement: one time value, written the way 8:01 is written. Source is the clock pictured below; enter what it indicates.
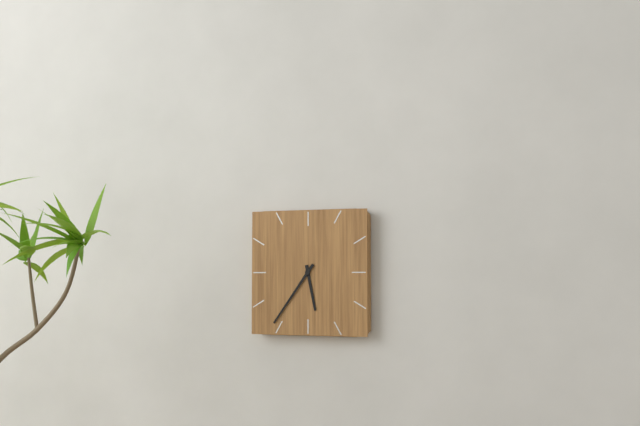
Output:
5:36
